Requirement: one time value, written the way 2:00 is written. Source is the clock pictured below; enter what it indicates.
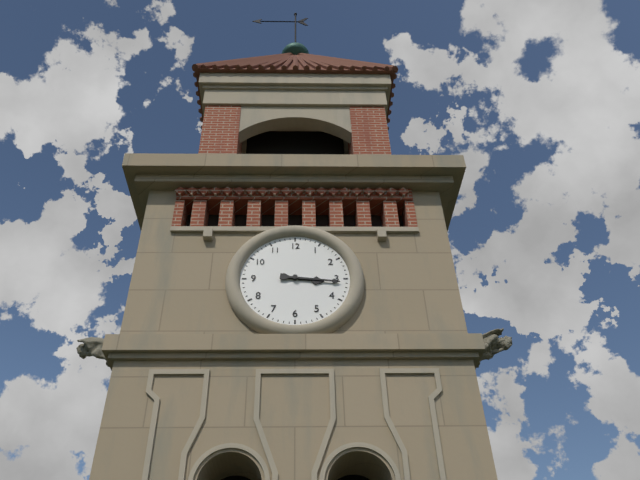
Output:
3:16
